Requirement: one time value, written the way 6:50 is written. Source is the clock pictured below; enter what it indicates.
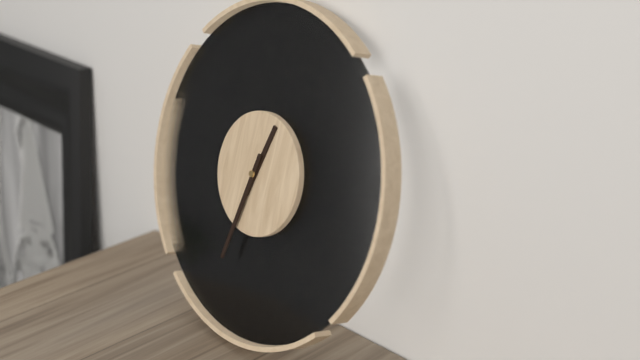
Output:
12:32
